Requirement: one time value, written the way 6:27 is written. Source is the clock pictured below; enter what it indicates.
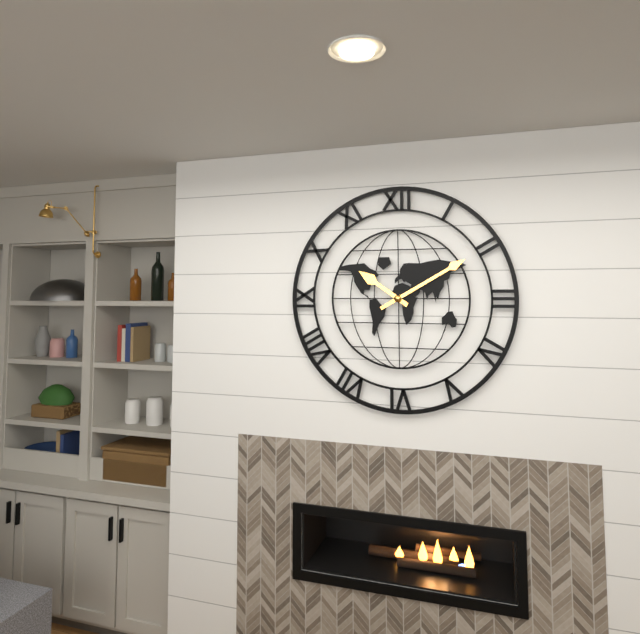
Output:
10:10
